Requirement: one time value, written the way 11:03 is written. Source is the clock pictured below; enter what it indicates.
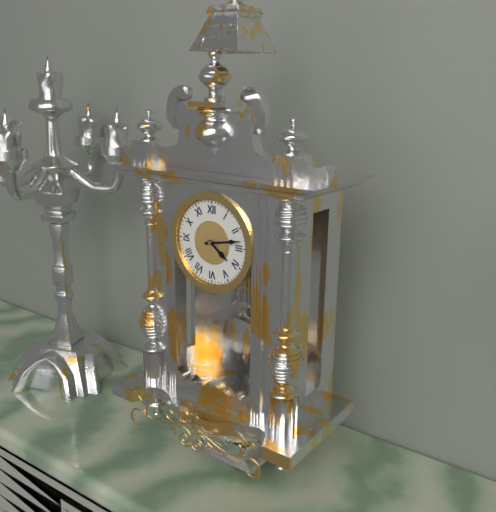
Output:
4:13
